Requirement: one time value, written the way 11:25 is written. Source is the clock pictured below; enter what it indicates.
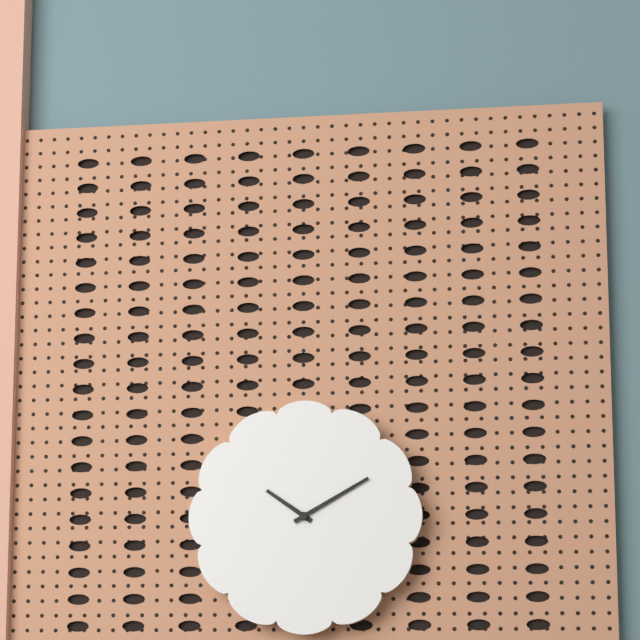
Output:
10:10
